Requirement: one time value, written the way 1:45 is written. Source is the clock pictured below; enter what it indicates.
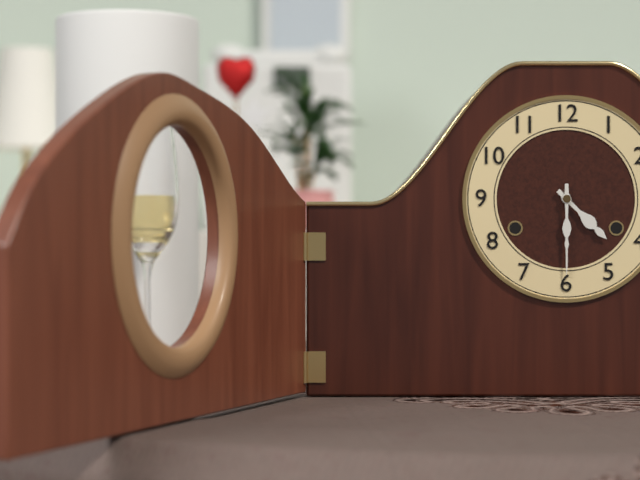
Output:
4:30
